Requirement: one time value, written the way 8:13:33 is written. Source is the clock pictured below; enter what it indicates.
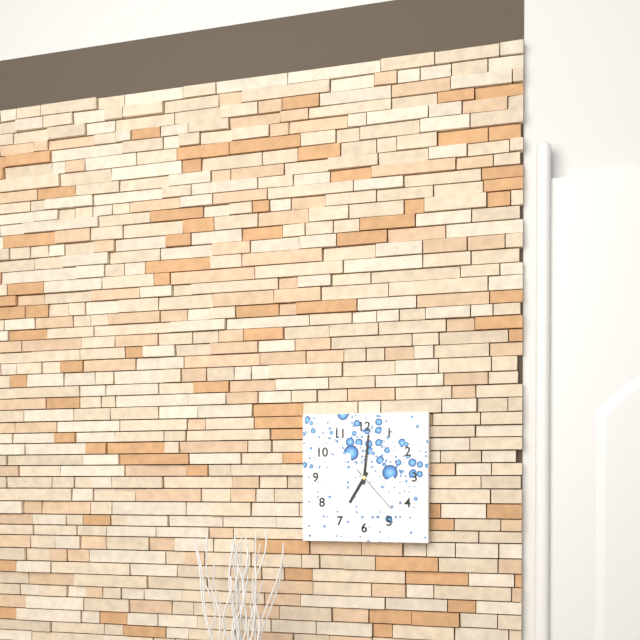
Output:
7:01:23
